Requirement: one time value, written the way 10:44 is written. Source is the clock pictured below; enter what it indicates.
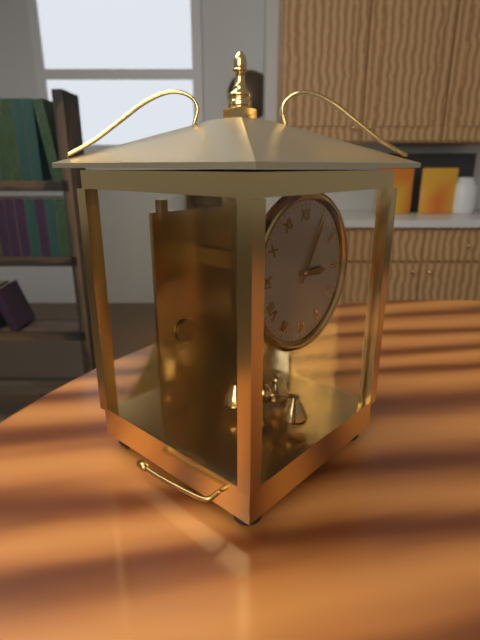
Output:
3:05
